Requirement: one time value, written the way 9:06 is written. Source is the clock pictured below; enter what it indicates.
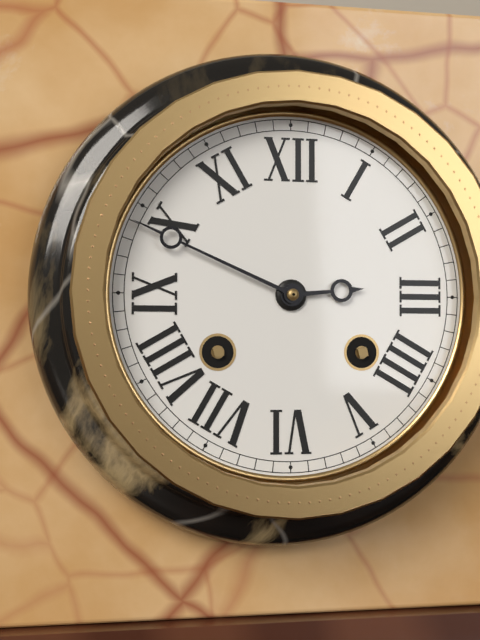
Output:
2:49
